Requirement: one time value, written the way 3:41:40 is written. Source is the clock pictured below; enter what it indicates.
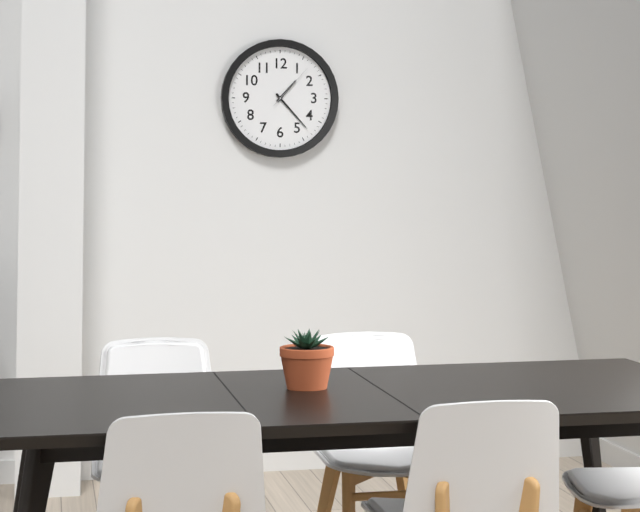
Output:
1:23:07
